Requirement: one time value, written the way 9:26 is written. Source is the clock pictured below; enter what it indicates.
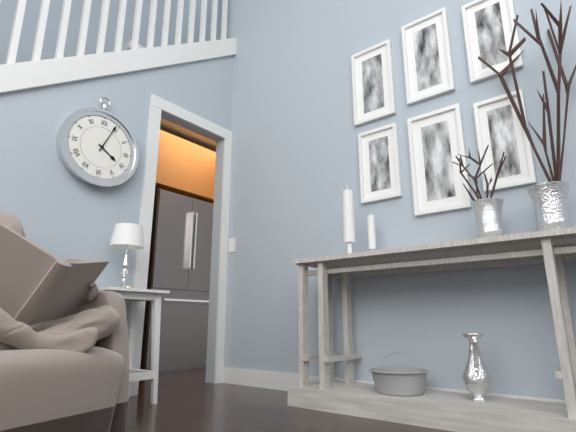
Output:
4:04
